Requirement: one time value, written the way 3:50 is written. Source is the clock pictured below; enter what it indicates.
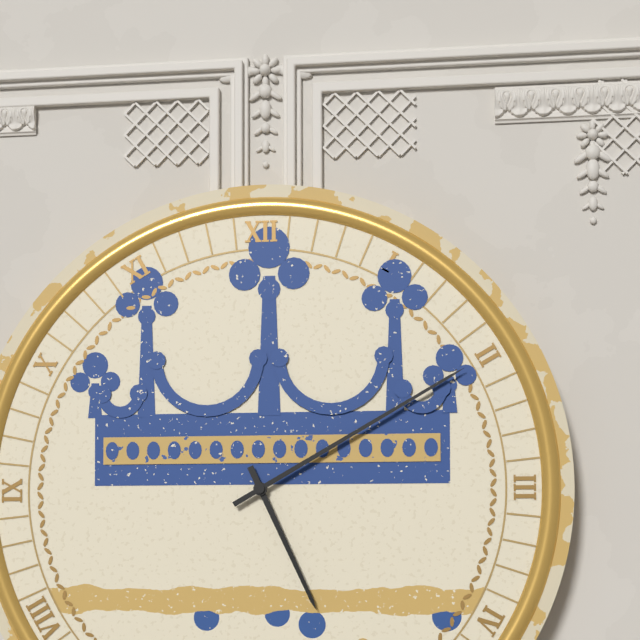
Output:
5:10
